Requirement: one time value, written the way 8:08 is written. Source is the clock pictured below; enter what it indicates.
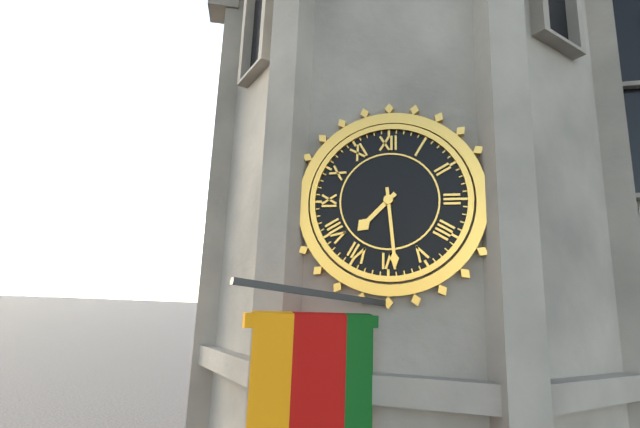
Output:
7:29
